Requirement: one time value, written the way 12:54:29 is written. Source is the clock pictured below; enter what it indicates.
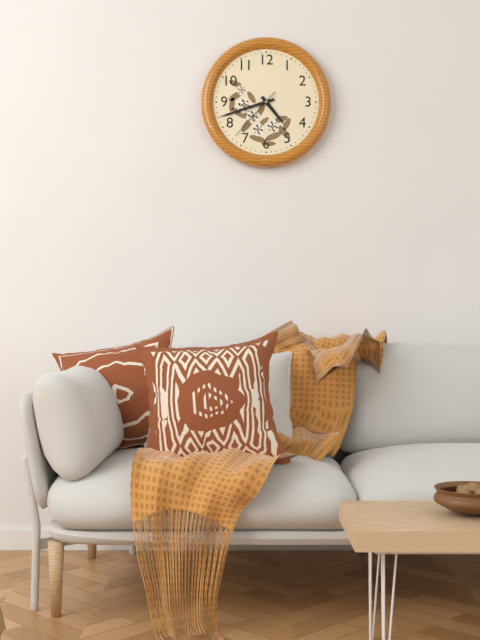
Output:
4:42:37
